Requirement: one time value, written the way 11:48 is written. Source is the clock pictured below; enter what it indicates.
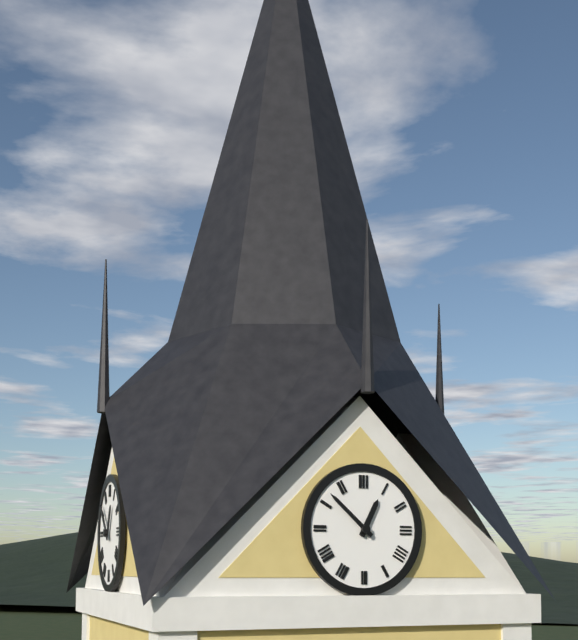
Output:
12:52
